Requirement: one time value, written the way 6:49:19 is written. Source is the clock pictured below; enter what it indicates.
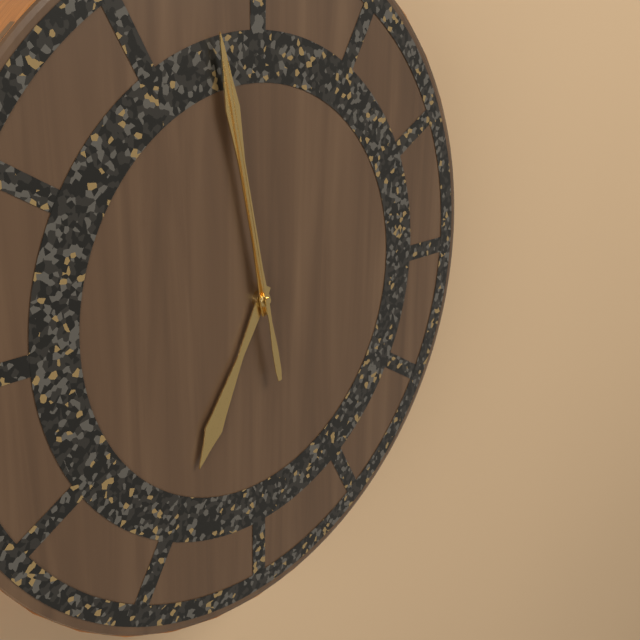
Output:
6:58:58
